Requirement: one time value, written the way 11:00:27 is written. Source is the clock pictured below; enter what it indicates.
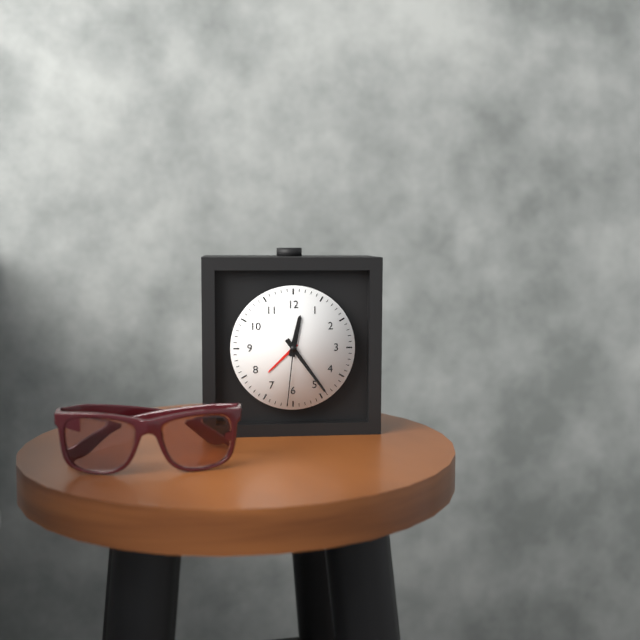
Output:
12:24:31
